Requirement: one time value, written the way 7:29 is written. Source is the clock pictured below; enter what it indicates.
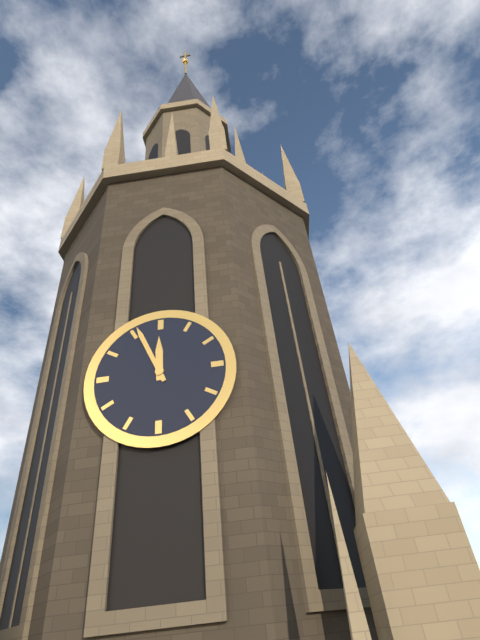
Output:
11:56
